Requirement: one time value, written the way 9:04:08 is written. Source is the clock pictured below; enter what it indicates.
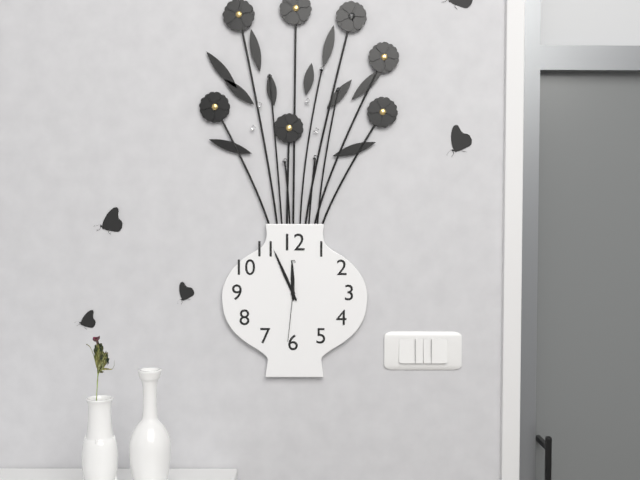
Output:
11:56:31
